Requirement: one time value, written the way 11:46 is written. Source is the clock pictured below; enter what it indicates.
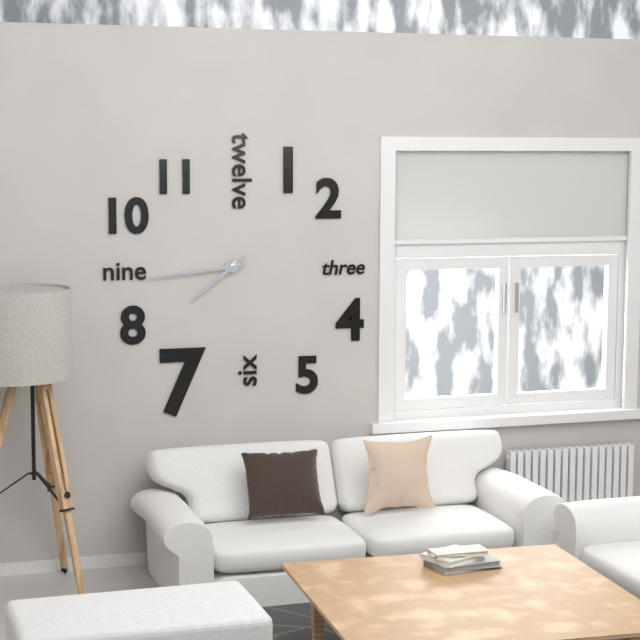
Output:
7:44
